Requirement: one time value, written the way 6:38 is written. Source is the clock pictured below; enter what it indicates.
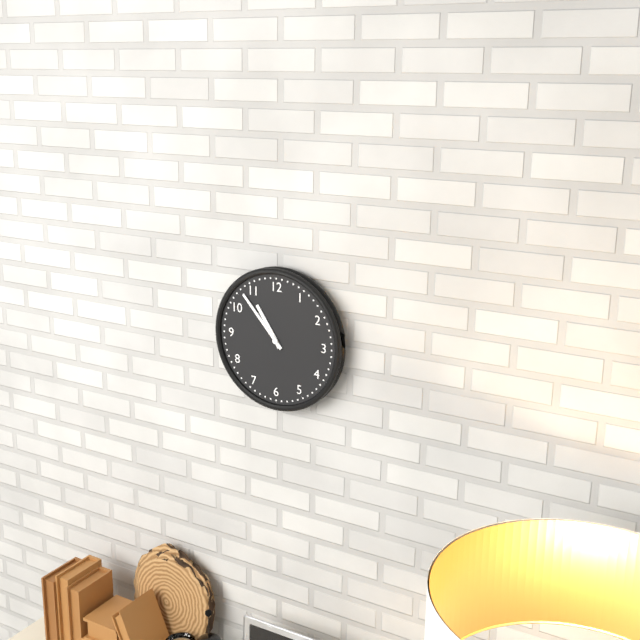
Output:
10:53
